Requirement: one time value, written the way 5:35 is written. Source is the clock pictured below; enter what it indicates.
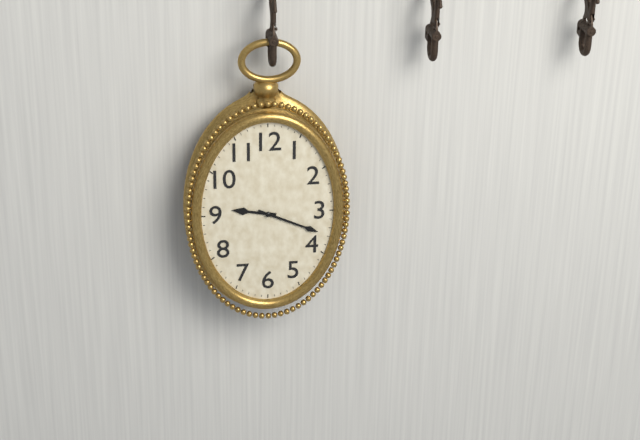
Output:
9:19
